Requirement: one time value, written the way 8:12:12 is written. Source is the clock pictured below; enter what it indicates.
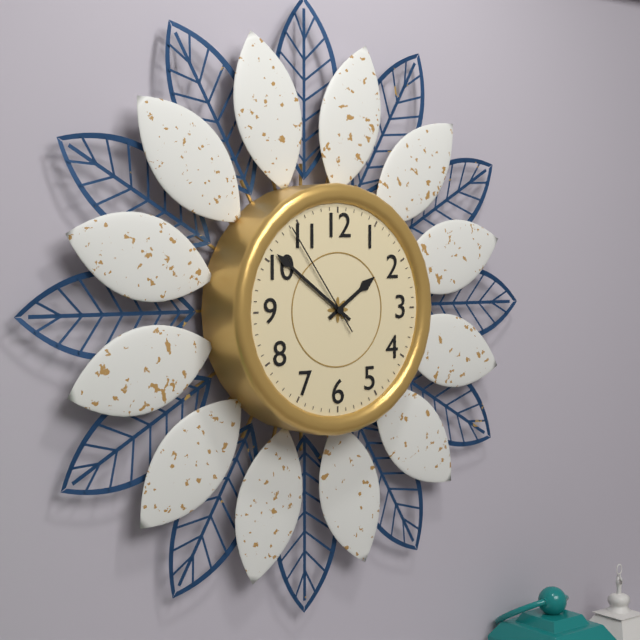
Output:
1:51:54
